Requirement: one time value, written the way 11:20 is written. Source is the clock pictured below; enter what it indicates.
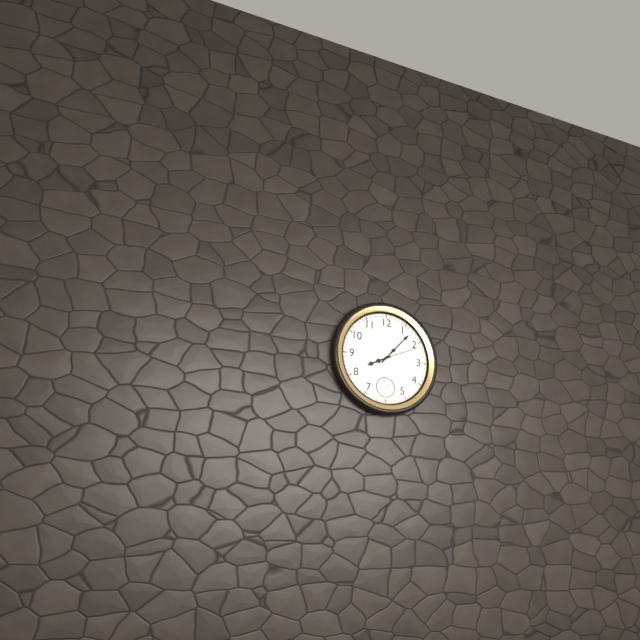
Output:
8:07
